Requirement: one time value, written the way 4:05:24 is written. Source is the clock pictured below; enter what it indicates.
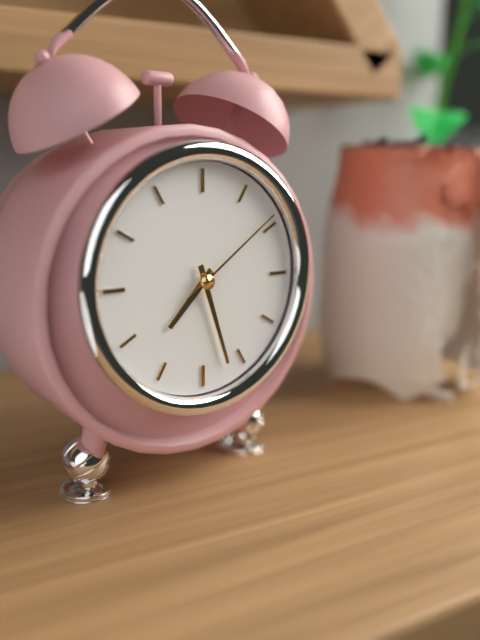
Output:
7:27:09
